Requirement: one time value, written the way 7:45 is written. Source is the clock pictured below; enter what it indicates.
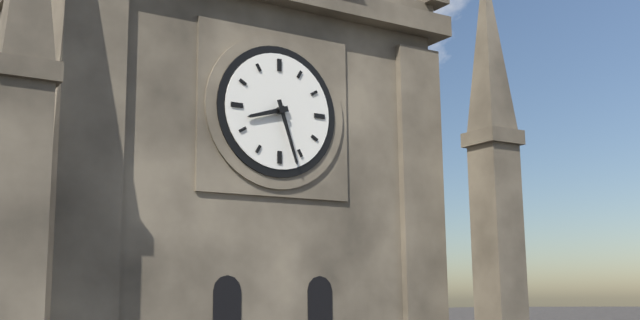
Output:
8:27
